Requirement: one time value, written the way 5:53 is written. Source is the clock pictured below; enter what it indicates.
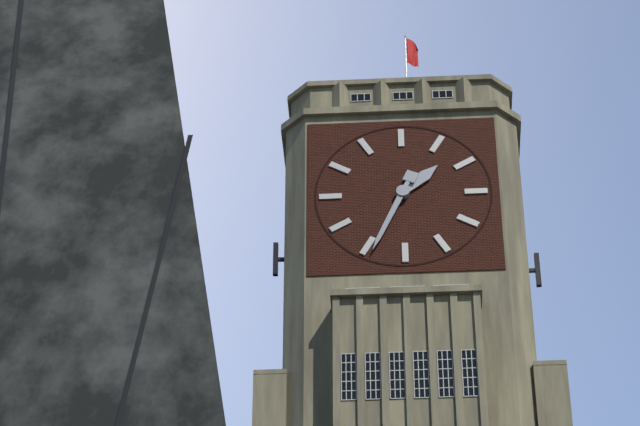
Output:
1:34
